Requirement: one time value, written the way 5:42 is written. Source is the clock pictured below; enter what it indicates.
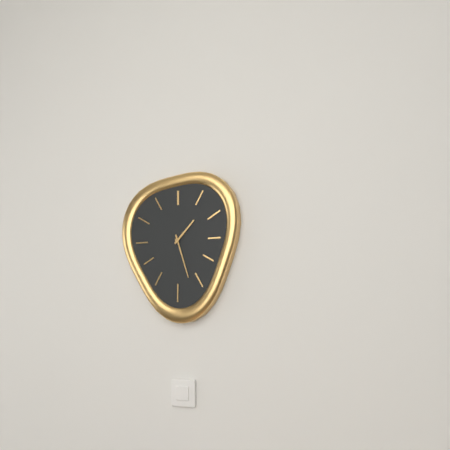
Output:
1:27
